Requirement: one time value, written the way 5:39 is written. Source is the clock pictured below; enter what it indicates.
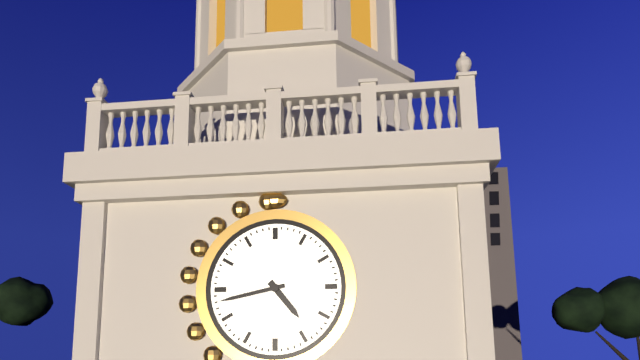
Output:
4:43
